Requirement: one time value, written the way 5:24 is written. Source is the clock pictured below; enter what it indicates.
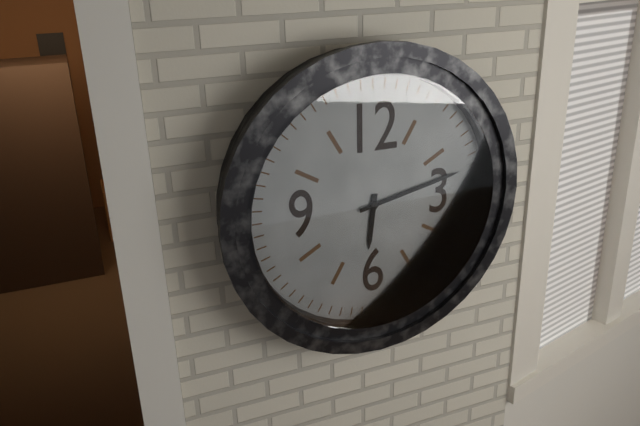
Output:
6:13
